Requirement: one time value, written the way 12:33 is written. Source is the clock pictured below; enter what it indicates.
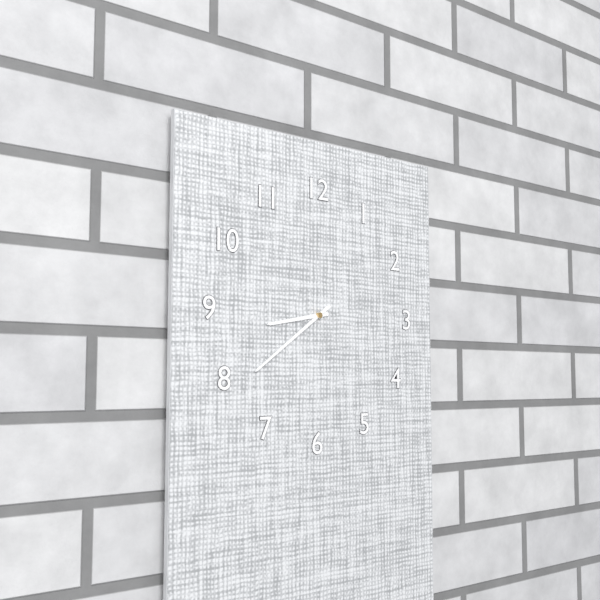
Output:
8:39
